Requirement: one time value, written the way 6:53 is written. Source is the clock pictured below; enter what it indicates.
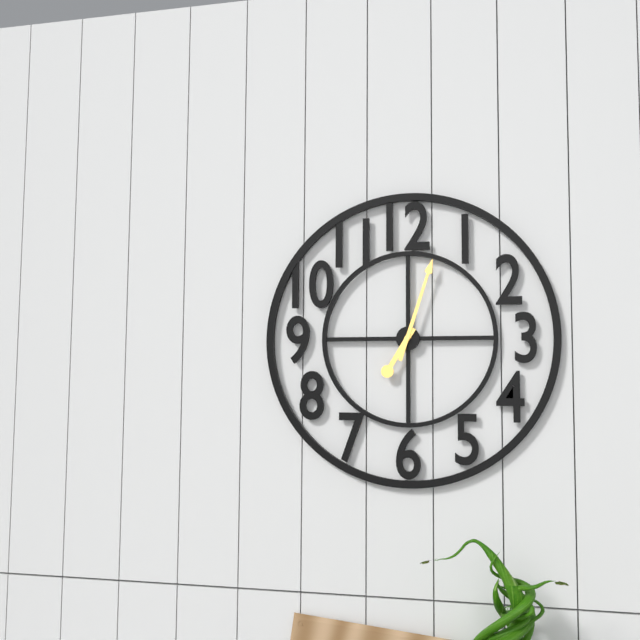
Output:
7:03
